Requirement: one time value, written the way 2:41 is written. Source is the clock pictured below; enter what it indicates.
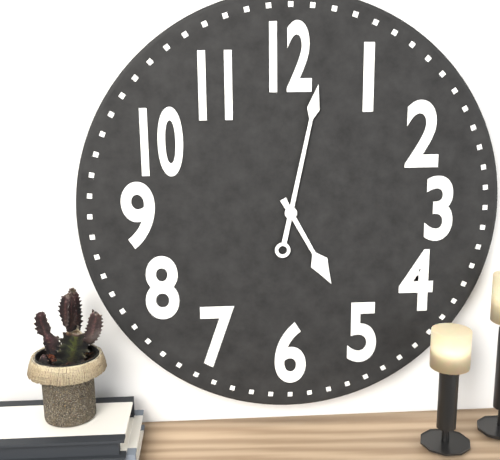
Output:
5:02
